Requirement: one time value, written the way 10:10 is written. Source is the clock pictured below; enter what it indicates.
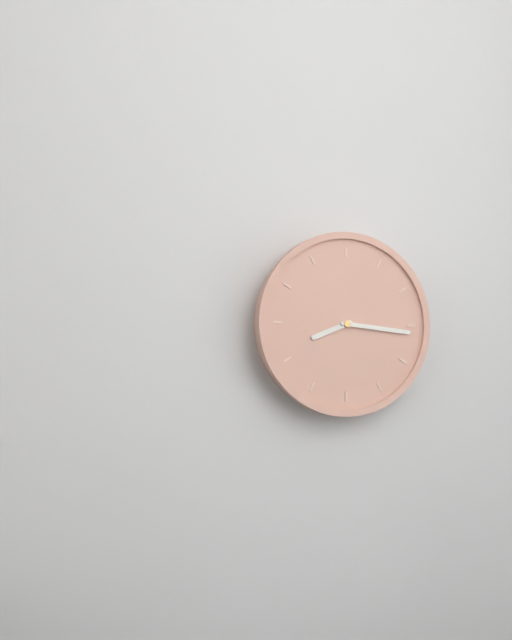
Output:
8:16
